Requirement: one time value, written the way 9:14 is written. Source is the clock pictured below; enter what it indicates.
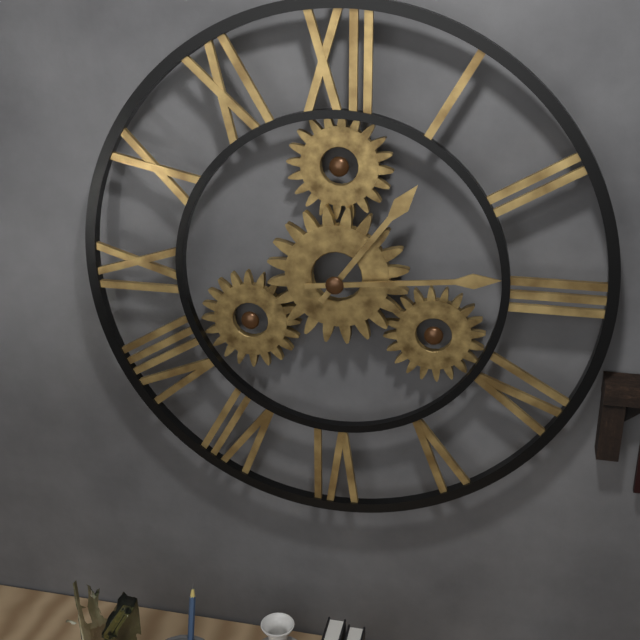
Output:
1:14
